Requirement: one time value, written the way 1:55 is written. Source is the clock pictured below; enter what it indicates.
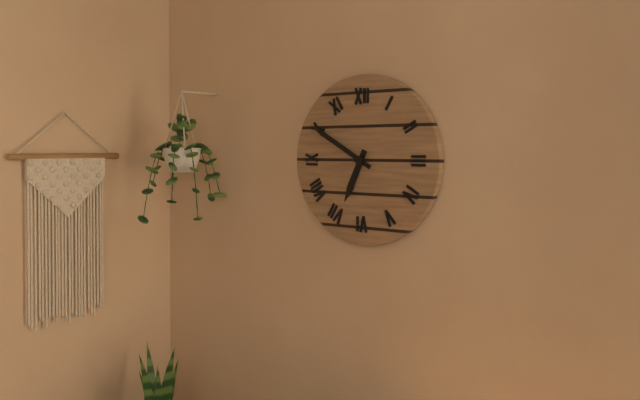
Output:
6:50
